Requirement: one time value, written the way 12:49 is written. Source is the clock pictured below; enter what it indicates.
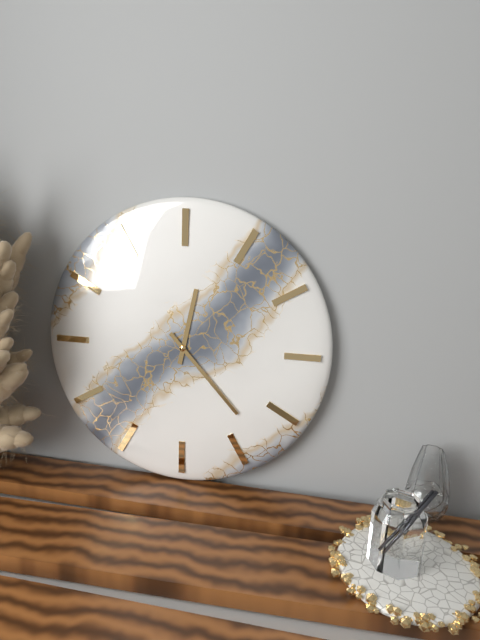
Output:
12:23
